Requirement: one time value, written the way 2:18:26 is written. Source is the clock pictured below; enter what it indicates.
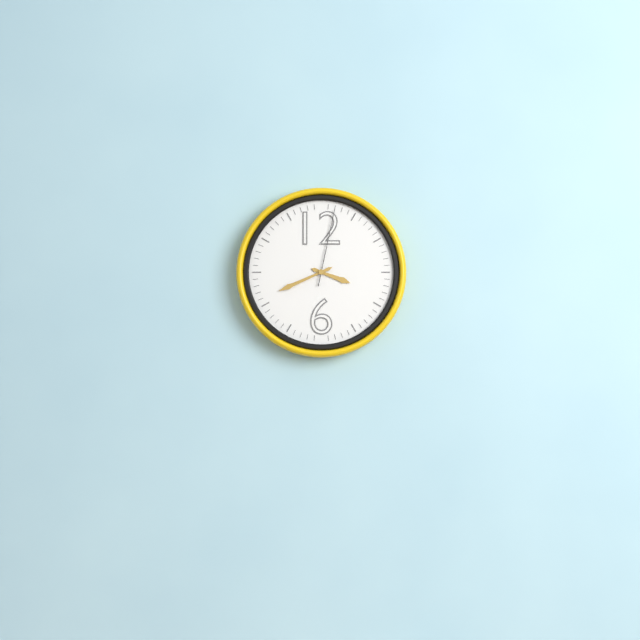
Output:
3:41:02
